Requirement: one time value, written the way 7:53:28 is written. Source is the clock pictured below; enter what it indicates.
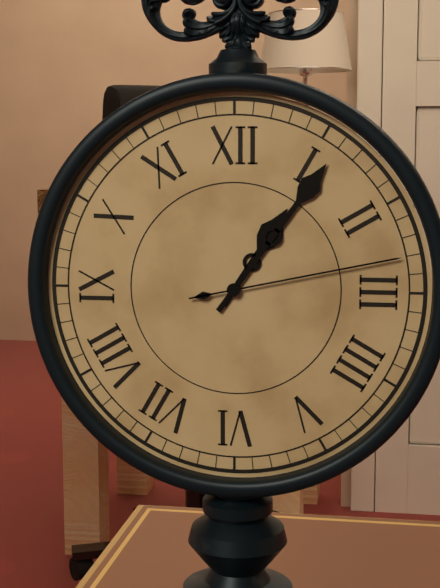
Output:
1:06:13
